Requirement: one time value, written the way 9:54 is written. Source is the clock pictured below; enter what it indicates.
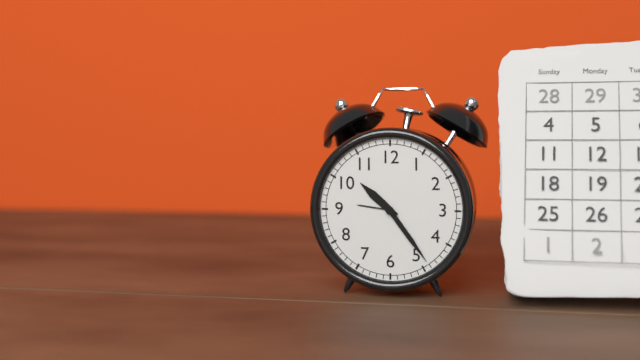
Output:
10:24
